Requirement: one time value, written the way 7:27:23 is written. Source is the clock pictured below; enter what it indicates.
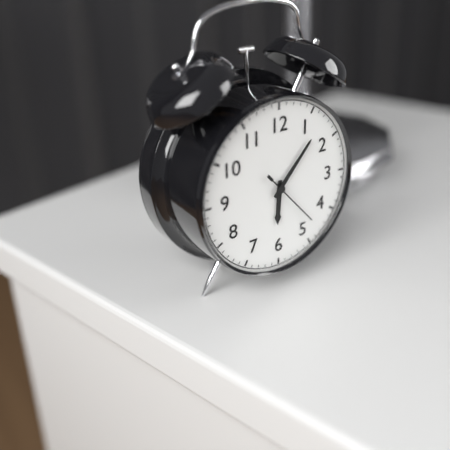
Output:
6:07:23
